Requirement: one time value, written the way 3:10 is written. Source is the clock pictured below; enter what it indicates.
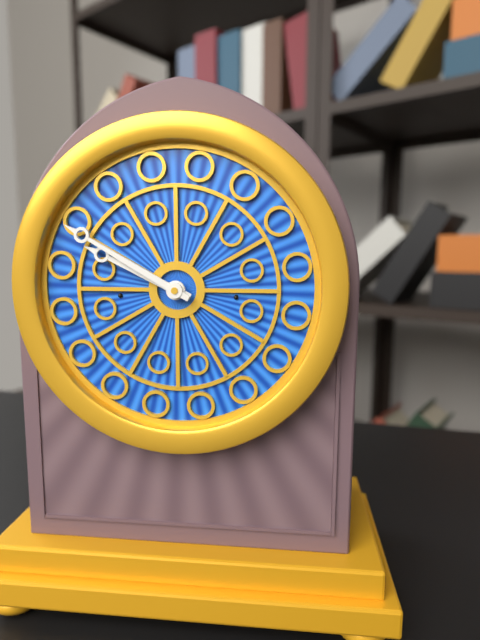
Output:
9:50
